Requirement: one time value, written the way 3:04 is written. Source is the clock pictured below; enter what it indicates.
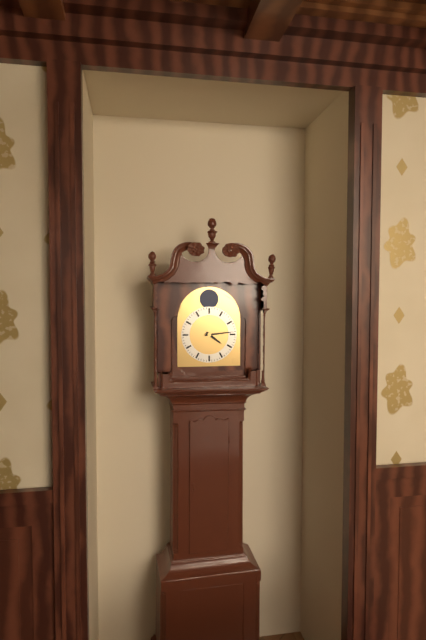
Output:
4:14
